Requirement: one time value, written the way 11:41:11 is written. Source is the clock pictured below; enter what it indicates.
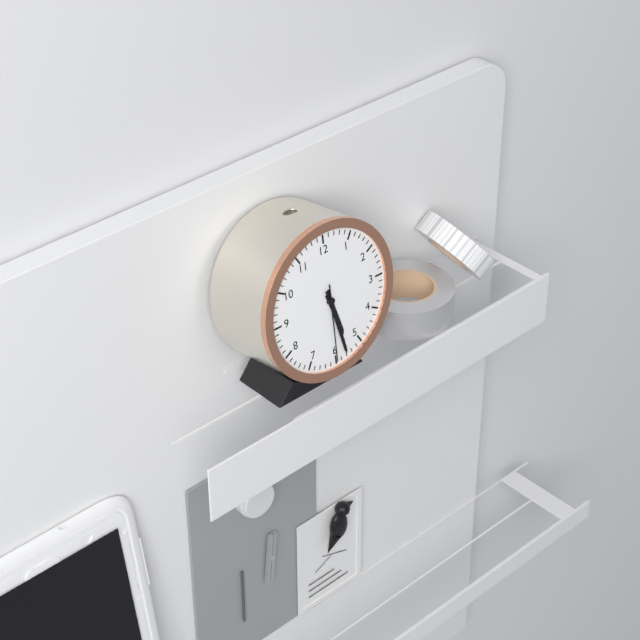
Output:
5:28:30
